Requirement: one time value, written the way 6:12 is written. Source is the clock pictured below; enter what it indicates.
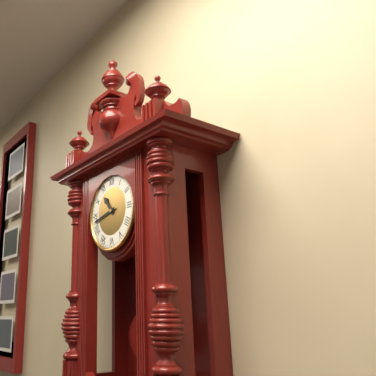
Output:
10:43
